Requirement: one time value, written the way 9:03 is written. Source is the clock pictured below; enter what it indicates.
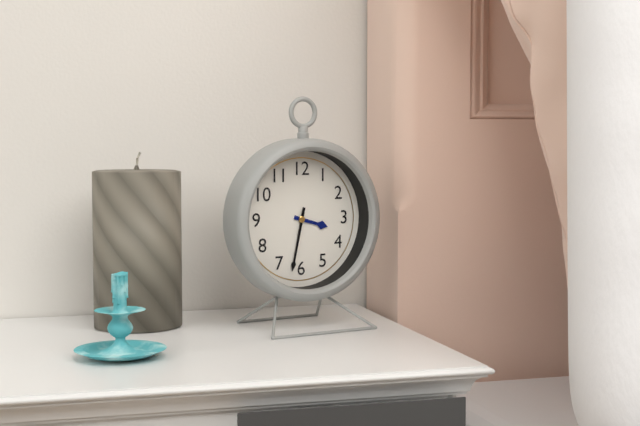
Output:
3:32
